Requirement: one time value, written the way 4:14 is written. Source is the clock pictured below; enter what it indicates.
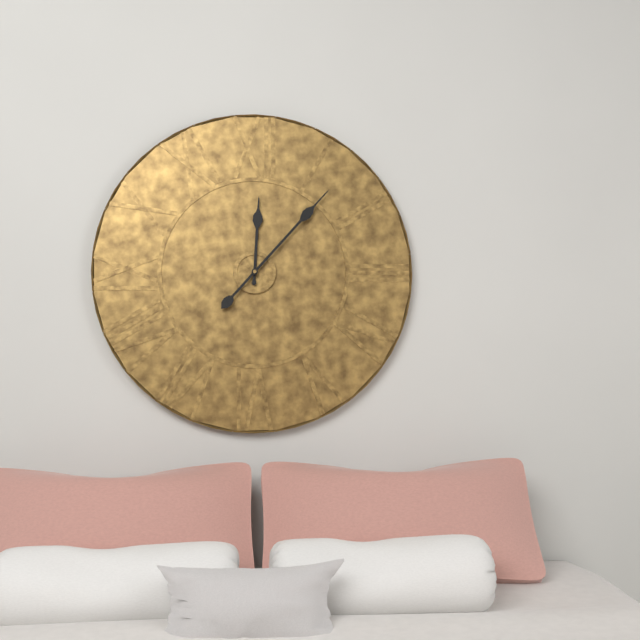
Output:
12:07
